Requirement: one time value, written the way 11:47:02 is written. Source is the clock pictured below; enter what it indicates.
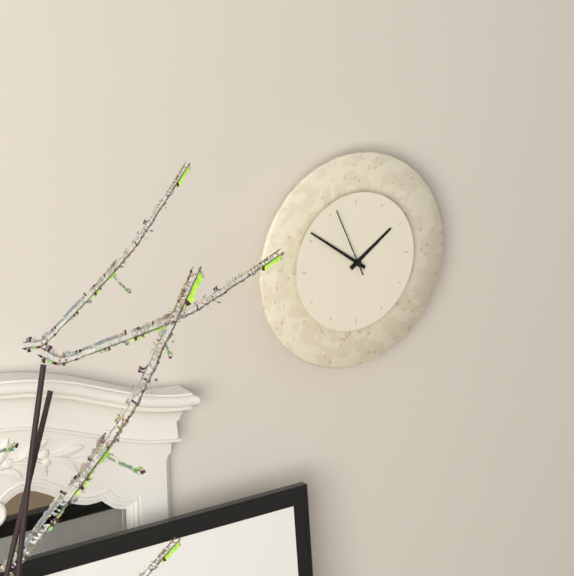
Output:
1:51:56
